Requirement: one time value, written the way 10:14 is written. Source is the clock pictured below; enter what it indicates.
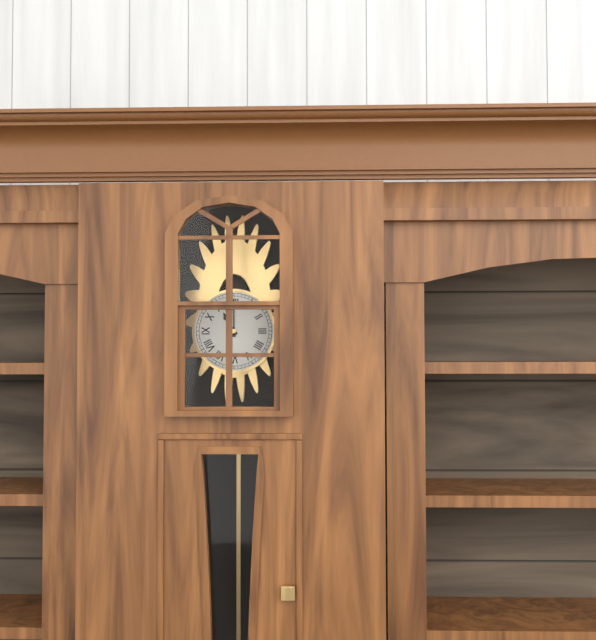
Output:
11:00
